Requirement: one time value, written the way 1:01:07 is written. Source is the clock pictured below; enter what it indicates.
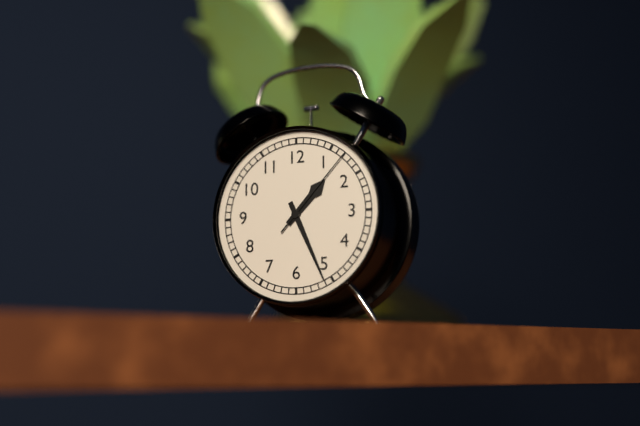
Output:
1:26:07
